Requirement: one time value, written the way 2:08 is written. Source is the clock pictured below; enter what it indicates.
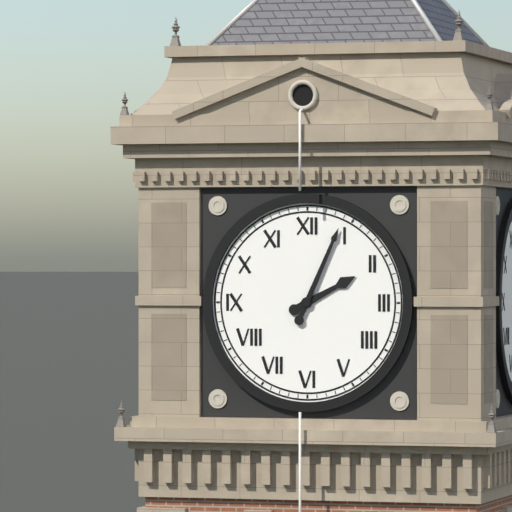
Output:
2:04
